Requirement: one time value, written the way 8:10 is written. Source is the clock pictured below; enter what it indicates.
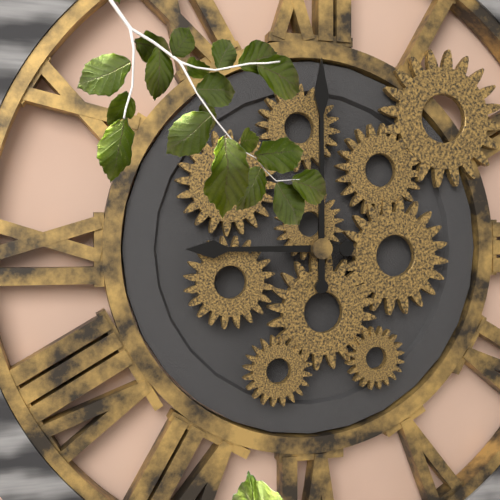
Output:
9:00
